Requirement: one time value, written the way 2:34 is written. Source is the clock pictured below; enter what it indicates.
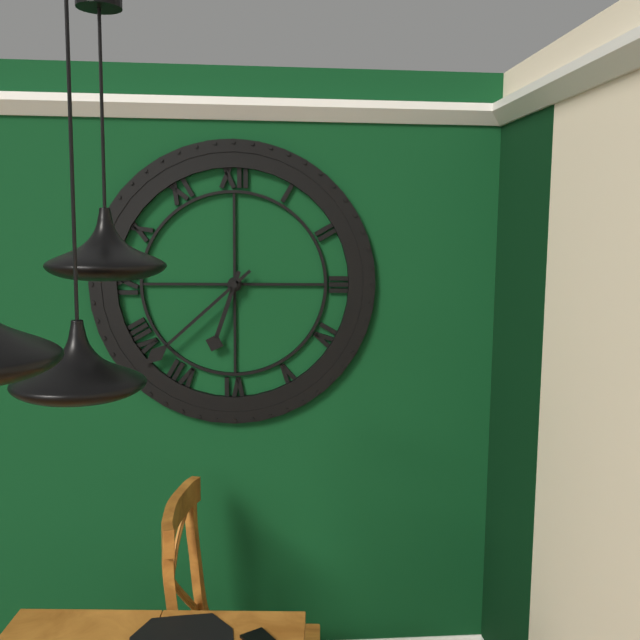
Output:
6:38
